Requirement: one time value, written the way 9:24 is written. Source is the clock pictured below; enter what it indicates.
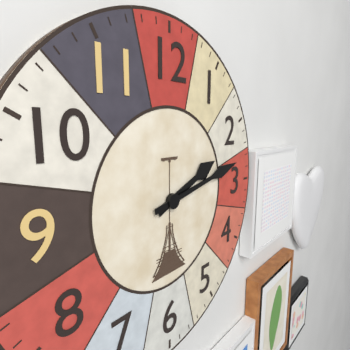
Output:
2:13
